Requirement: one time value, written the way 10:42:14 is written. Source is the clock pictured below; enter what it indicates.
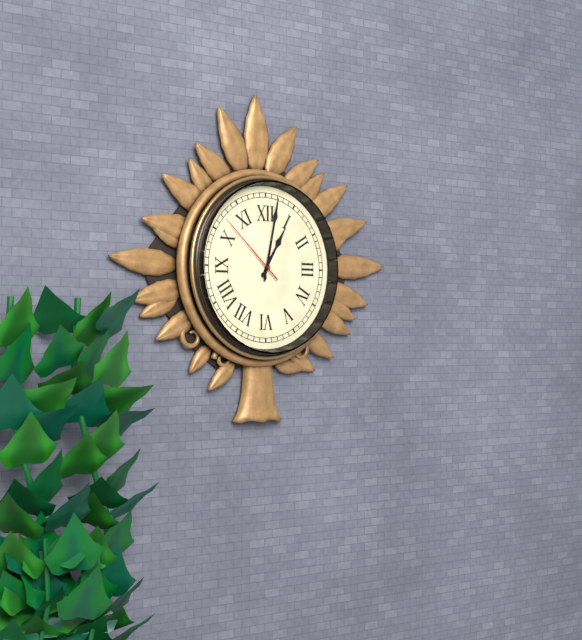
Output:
1:02:52
